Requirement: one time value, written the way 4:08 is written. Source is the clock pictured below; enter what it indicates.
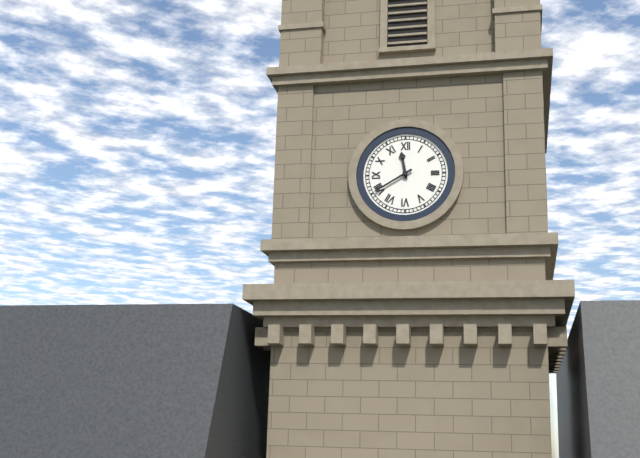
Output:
11:40
